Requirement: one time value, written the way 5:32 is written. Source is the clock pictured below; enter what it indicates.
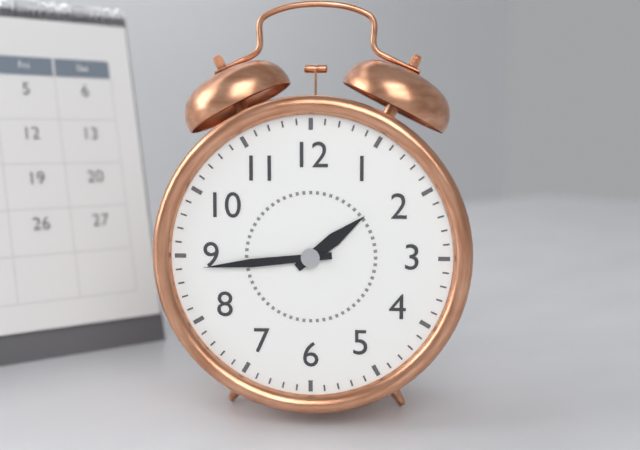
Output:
1:44
